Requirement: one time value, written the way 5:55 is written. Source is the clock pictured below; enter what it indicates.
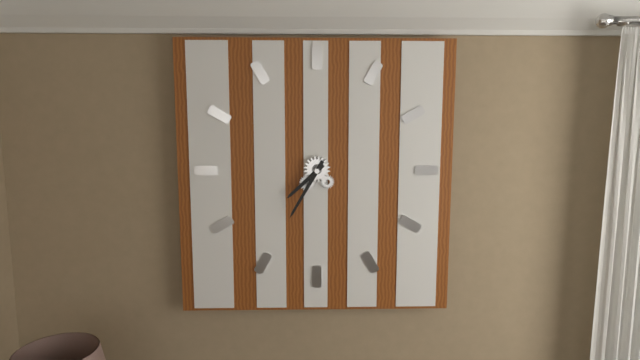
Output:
7:35
